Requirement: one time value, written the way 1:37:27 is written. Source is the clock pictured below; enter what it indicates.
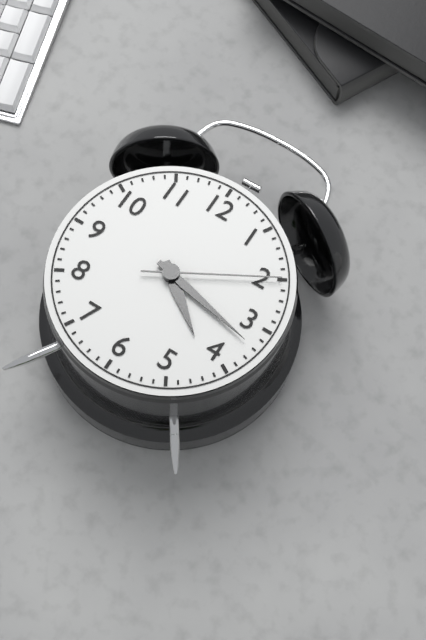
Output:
4:17:10
